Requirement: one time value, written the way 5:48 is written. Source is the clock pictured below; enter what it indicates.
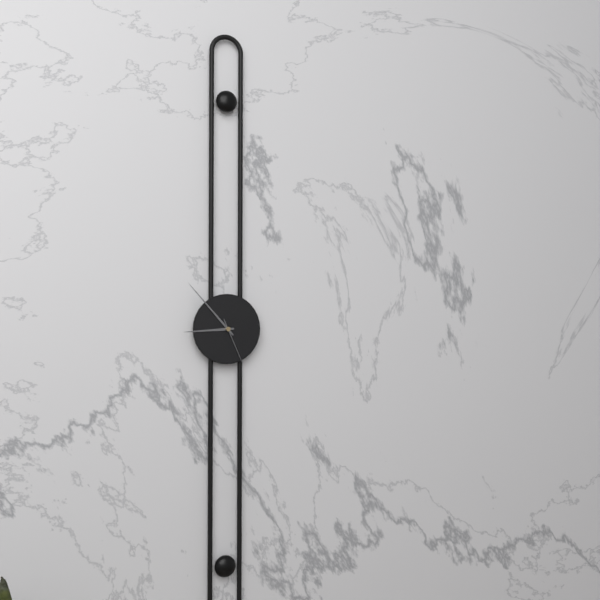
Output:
8:53
